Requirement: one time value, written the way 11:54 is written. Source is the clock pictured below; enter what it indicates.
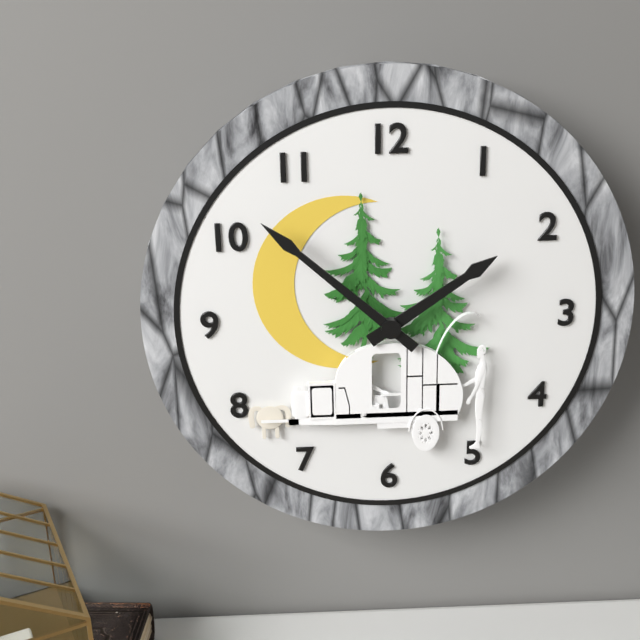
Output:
1:52
